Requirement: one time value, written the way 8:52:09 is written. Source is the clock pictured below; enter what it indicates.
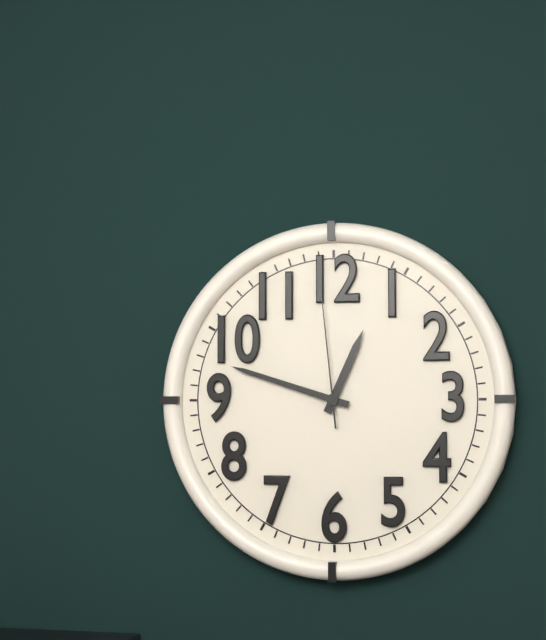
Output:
12:48:59
